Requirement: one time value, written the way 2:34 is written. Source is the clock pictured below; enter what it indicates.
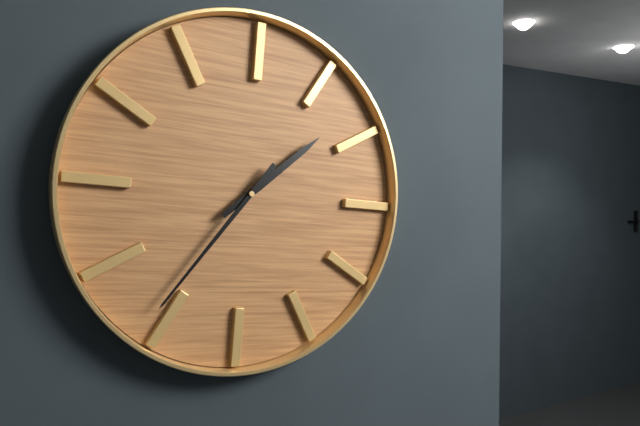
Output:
1:36
